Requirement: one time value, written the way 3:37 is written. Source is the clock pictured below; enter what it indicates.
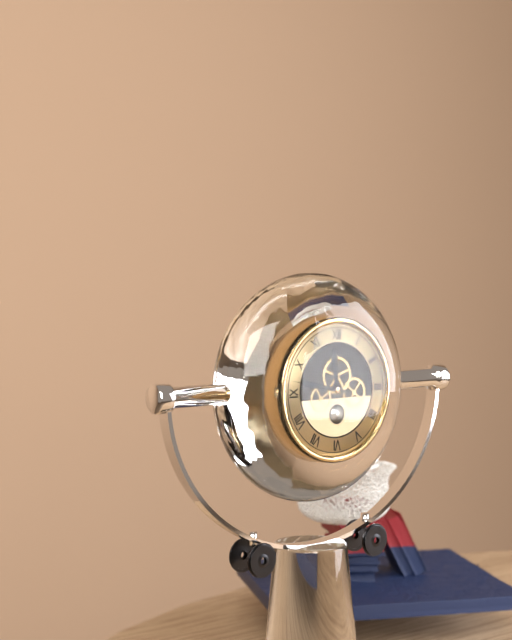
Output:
11:47
